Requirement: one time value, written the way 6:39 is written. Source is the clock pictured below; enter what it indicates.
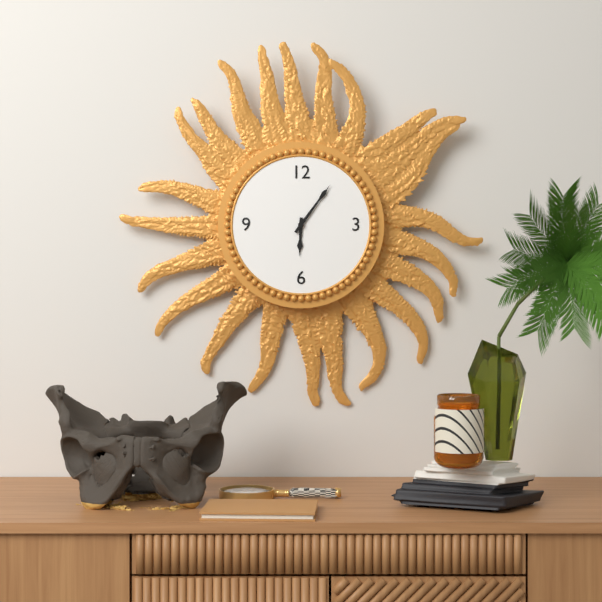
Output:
6:06
